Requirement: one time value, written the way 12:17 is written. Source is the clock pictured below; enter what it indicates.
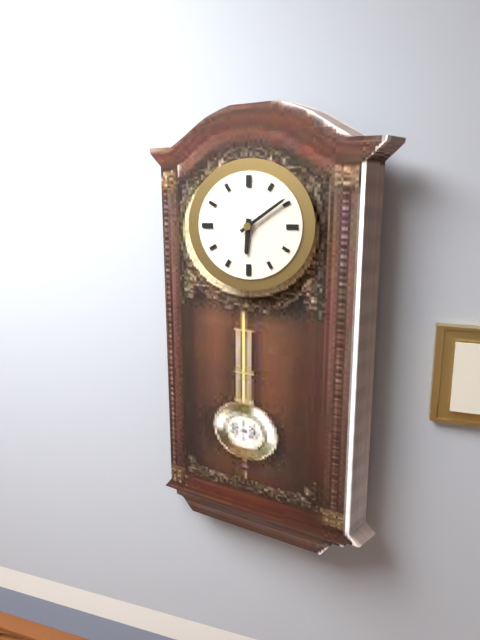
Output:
6:09
